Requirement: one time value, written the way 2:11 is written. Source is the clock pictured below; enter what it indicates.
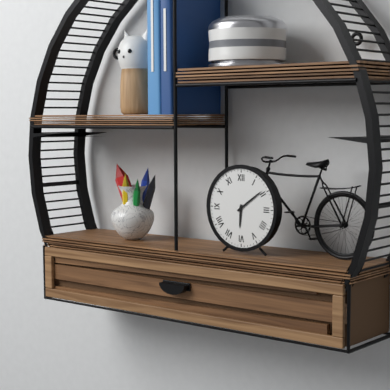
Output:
6:09
